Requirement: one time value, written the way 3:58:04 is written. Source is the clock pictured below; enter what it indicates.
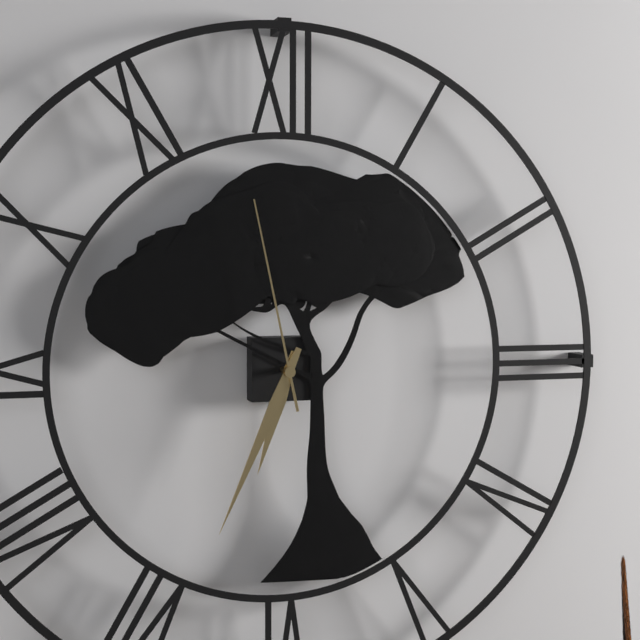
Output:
6:34:58
